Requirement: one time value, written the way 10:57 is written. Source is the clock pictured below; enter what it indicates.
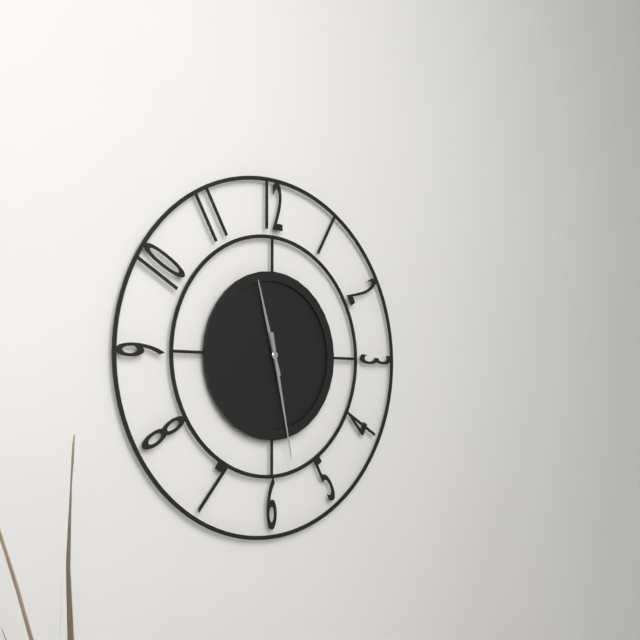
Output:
11:28
